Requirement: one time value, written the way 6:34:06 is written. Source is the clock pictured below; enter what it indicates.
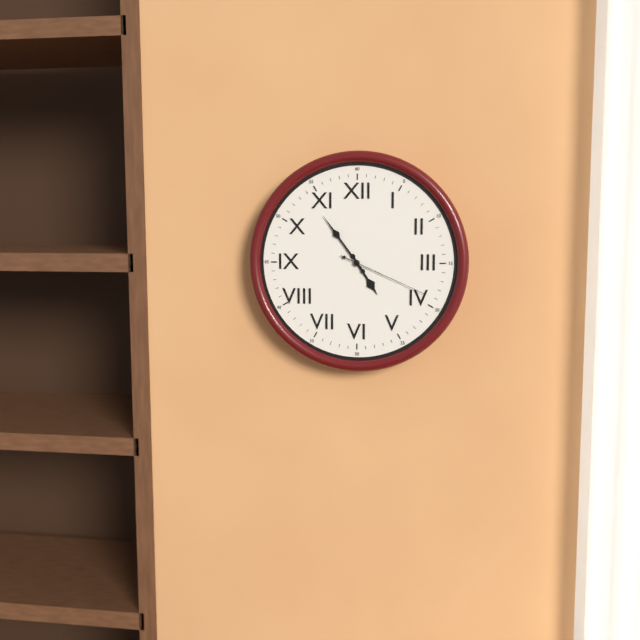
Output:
4:54:19
